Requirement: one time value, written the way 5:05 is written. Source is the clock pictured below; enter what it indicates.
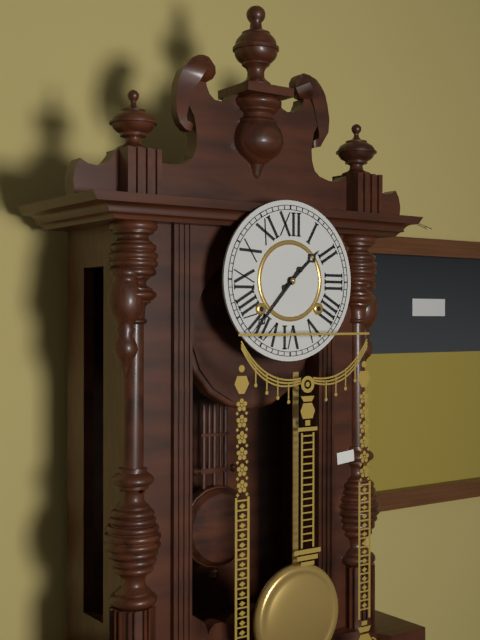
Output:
1:37
